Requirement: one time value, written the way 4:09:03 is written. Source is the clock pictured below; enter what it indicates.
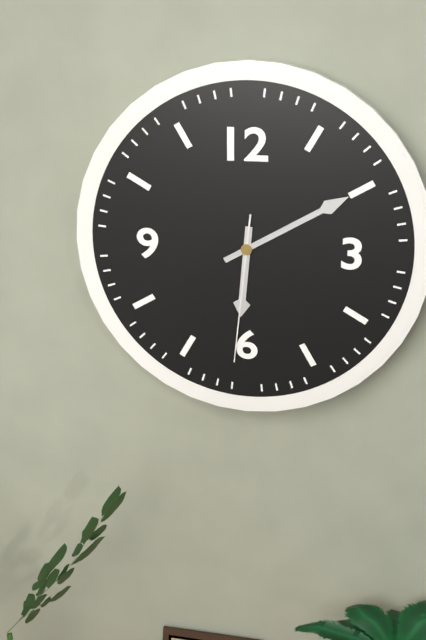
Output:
6:10:31
